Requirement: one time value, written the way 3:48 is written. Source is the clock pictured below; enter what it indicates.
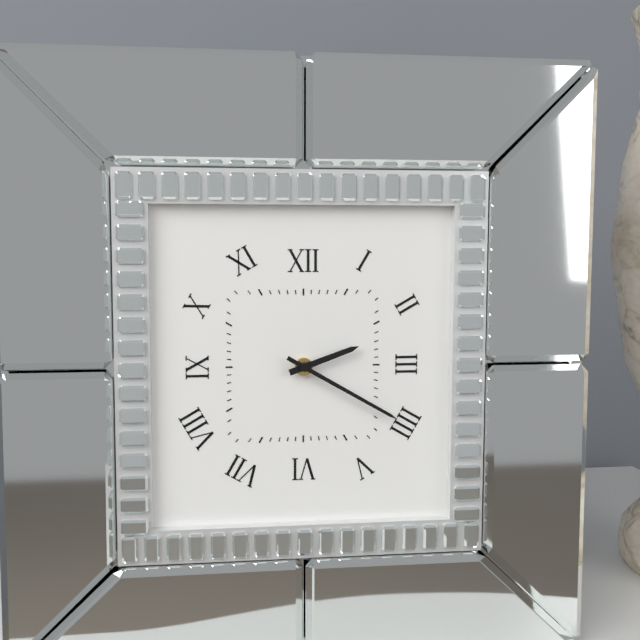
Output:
2:20
